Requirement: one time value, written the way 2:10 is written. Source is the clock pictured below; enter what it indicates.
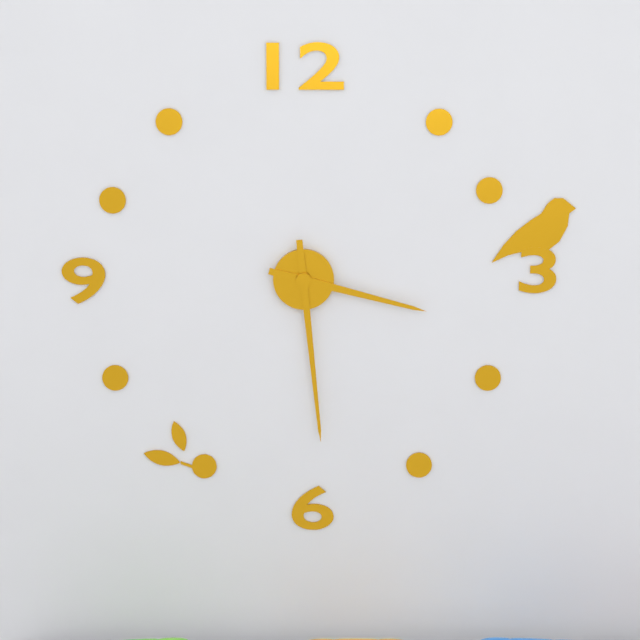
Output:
3:29
